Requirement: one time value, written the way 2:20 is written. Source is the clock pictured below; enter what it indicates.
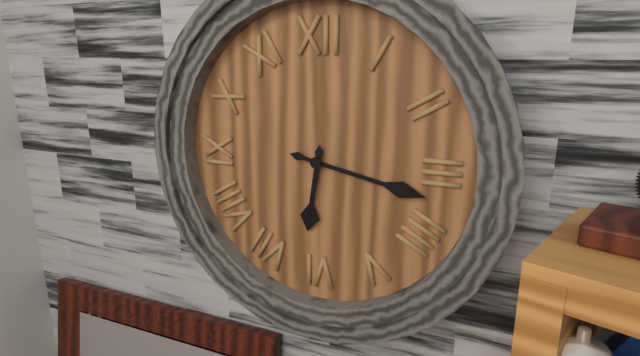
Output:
6:17
